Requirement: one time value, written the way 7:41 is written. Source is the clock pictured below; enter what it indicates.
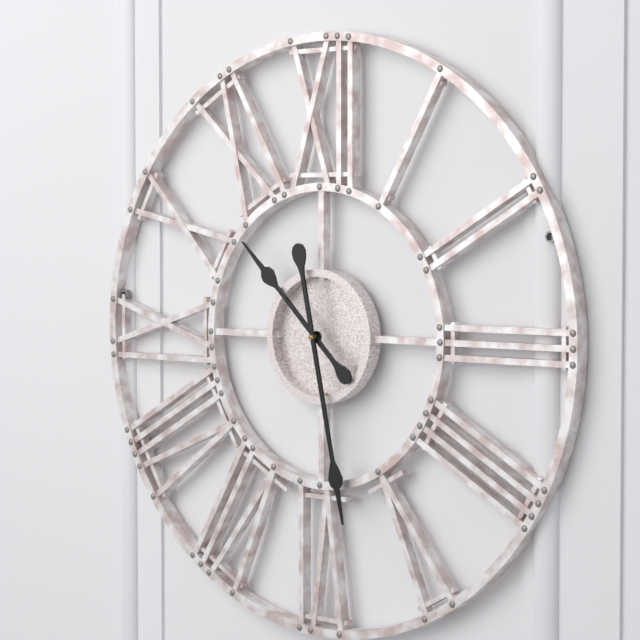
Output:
10:28
